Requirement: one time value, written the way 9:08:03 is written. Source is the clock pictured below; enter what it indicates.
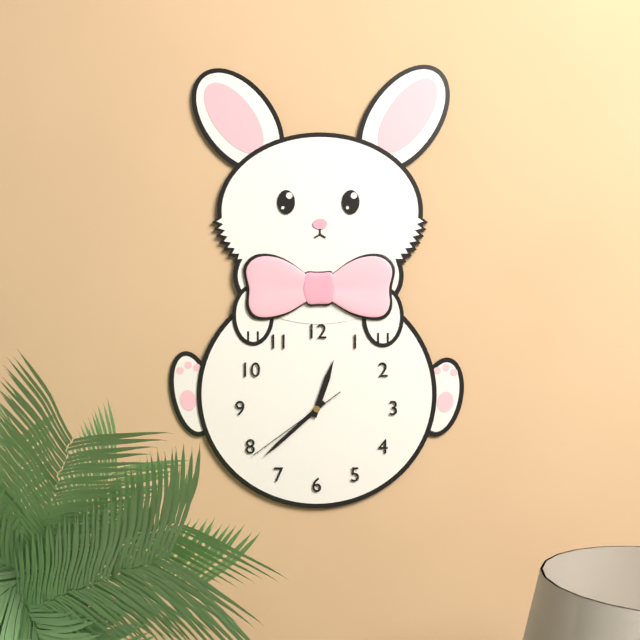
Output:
12:38:39
